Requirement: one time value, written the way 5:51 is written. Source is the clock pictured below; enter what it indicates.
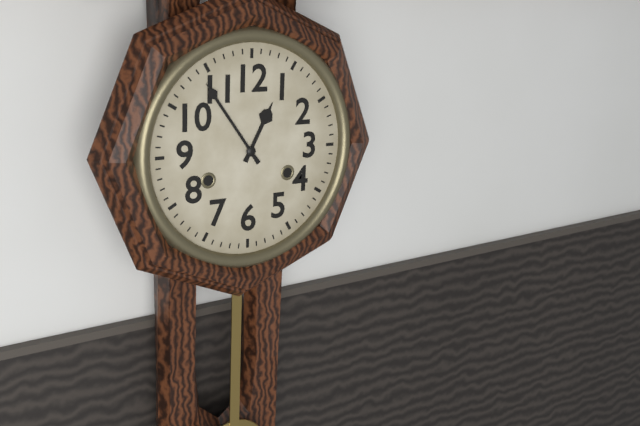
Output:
12:54
